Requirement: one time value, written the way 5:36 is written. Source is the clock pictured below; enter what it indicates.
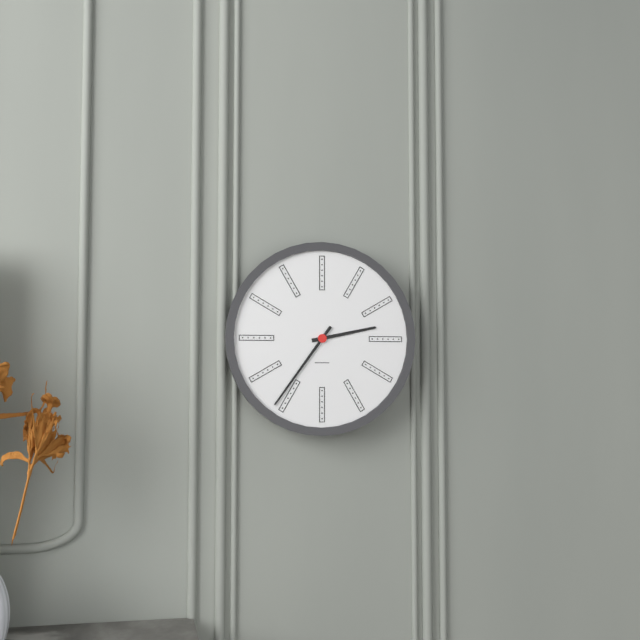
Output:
2:36
